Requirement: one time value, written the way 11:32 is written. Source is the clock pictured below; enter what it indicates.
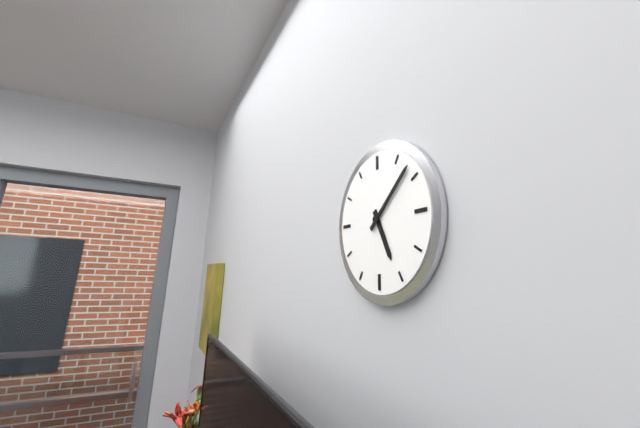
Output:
5:08
